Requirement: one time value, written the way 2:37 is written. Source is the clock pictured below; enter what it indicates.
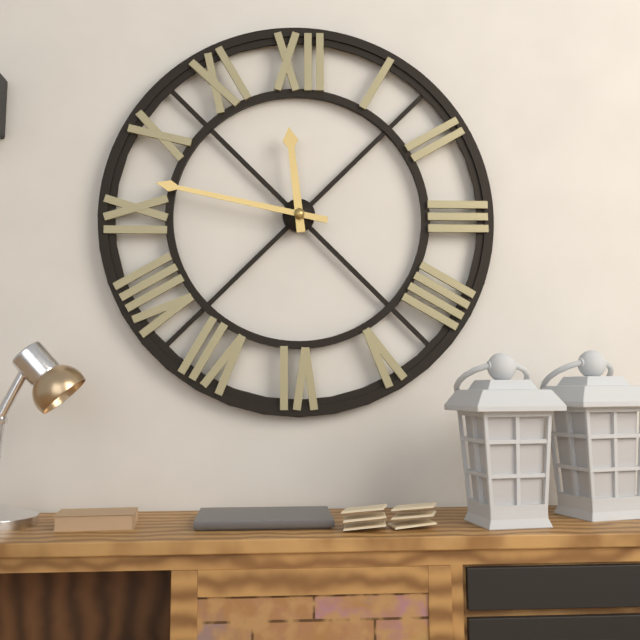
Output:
11:47
